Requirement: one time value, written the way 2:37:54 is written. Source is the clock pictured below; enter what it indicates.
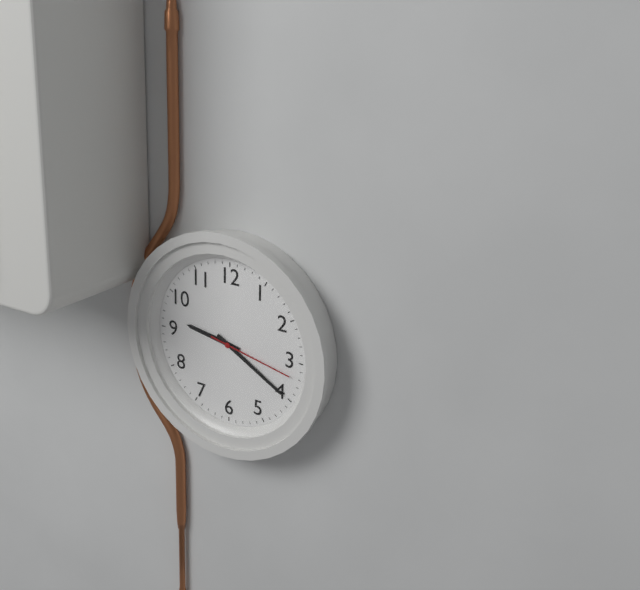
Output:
9:20:17
